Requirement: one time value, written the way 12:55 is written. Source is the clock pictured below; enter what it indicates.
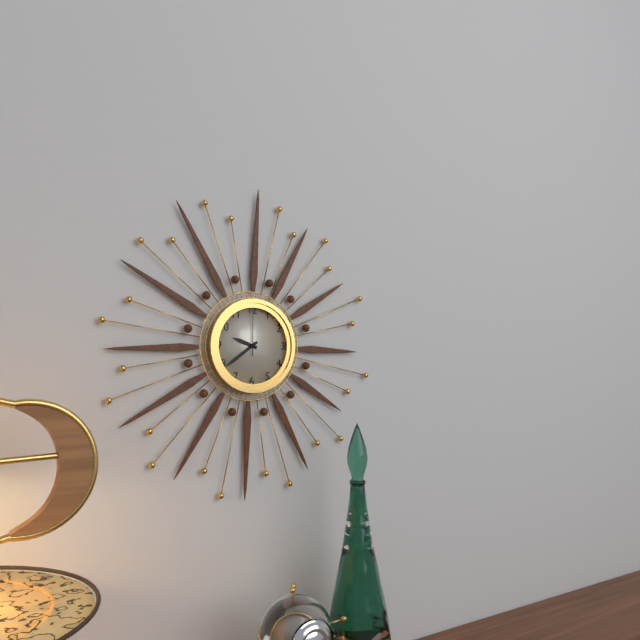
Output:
9:39
